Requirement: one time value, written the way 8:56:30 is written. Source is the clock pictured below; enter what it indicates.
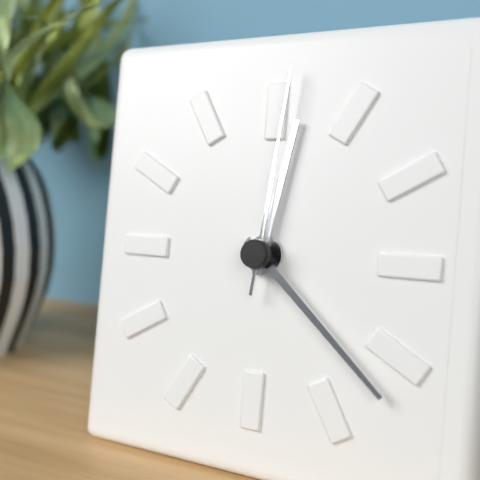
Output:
12:22:01
